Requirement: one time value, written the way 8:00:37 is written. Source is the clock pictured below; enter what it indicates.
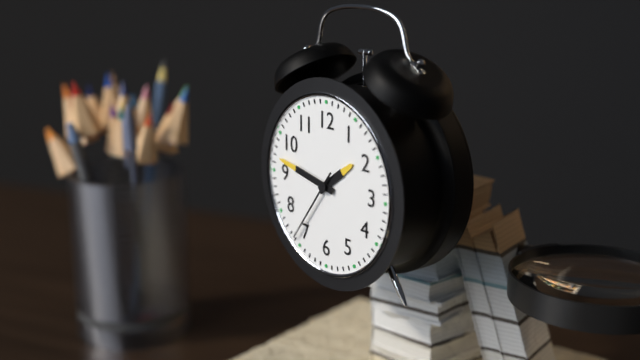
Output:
1:47:36
